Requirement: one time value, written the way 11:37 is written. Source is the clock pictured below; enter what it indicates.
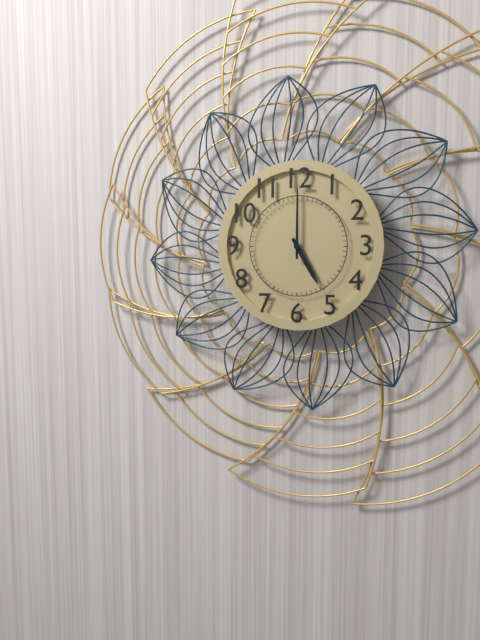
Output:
5:00
